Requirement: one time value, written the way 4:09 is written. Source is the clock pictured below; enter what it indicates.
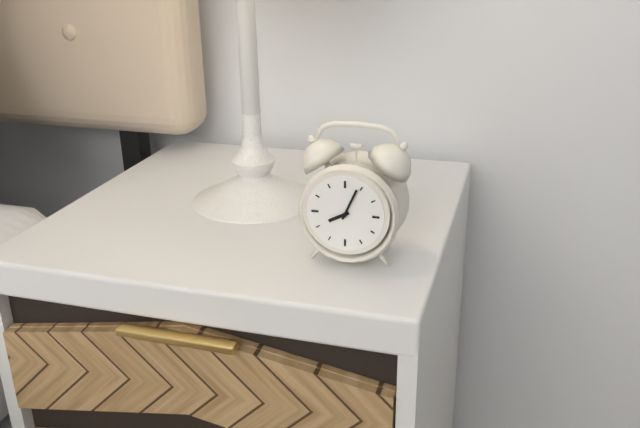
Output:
8:04
